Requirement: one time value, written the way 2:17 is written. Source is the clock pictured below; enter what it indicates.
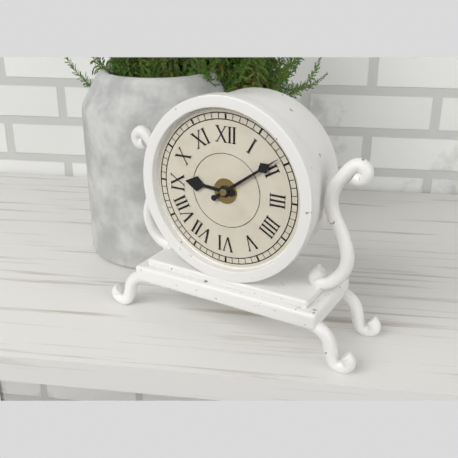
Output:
9:09
